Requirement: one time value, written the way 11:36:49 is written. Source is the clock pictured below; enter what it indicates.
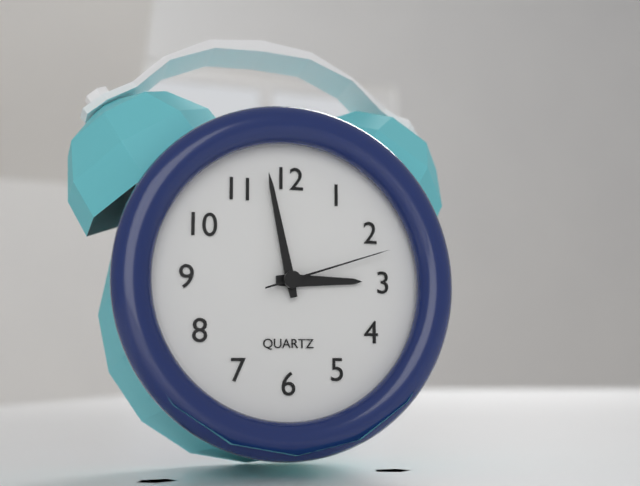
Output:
2:58:12
